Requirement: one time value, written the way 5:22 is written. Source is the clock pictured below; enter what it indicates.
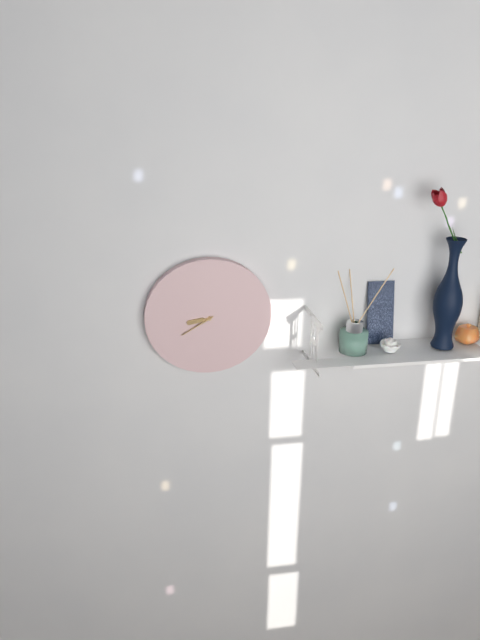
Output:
8:40
